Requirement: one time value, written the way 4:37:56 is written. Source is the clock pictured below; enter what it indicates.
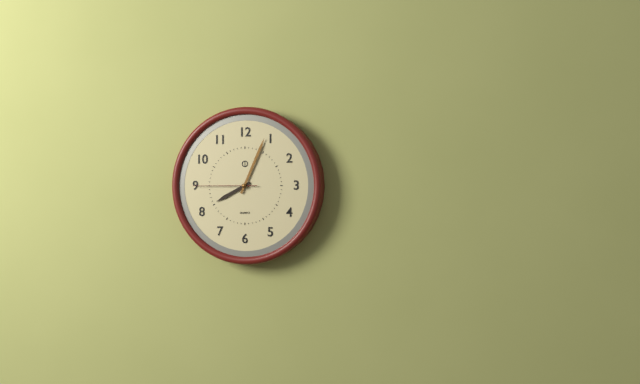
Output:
8:04:45
